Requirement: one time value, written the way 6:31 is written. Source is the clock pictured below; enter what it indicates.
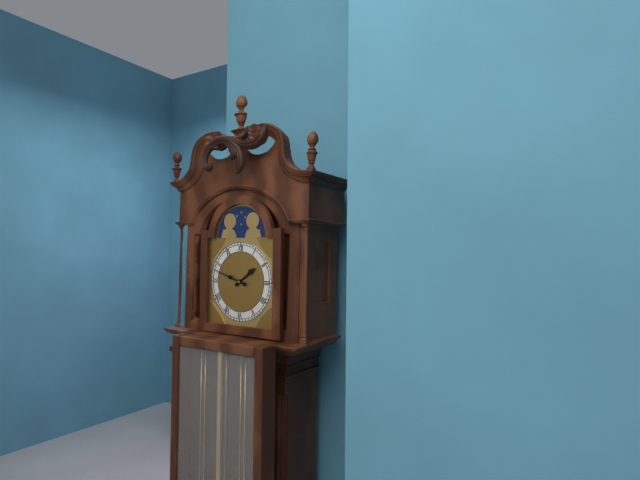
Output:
1:48
